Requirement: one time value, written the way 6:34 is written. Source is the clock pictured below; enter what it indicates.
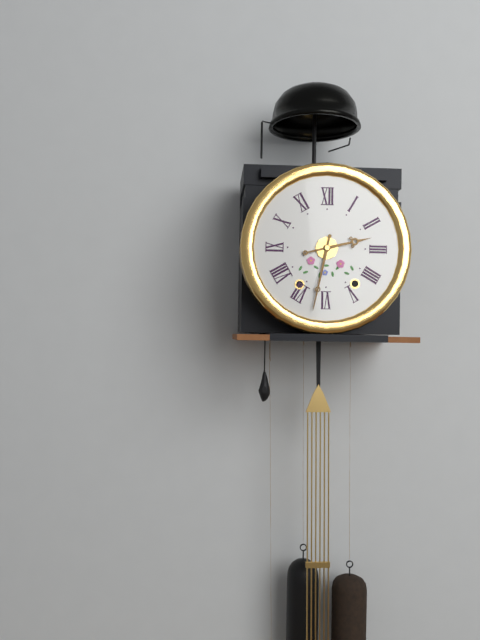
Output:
2:32
